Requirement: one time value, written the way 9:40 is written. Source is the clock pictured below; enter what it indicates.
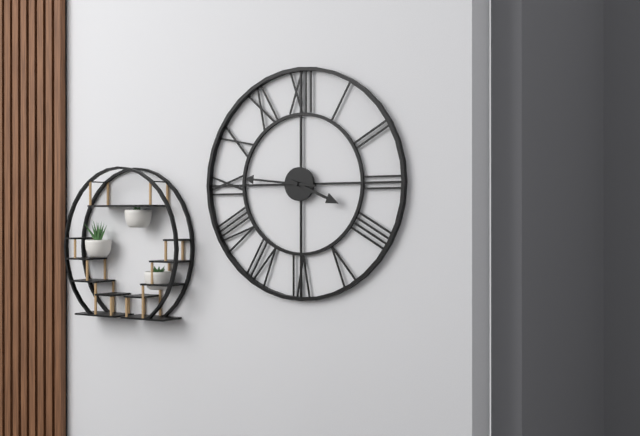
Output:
3:46
